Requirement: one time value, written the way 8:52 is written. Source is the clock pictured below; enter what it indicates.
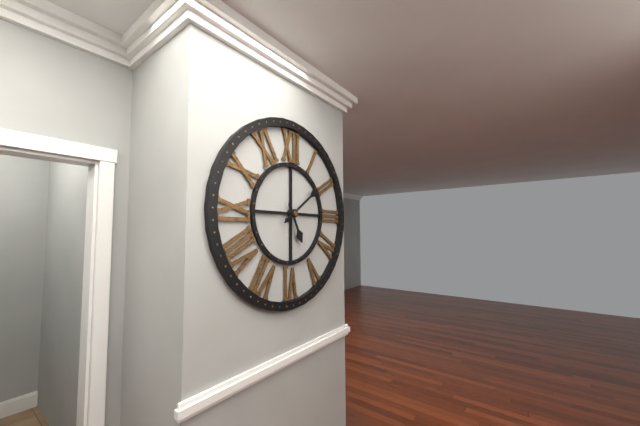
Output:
5:09
